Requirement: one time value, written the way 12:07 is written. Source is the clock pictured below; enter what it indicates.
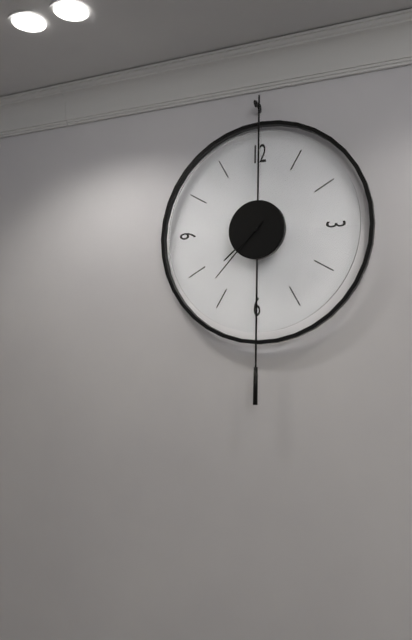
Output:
7:37
